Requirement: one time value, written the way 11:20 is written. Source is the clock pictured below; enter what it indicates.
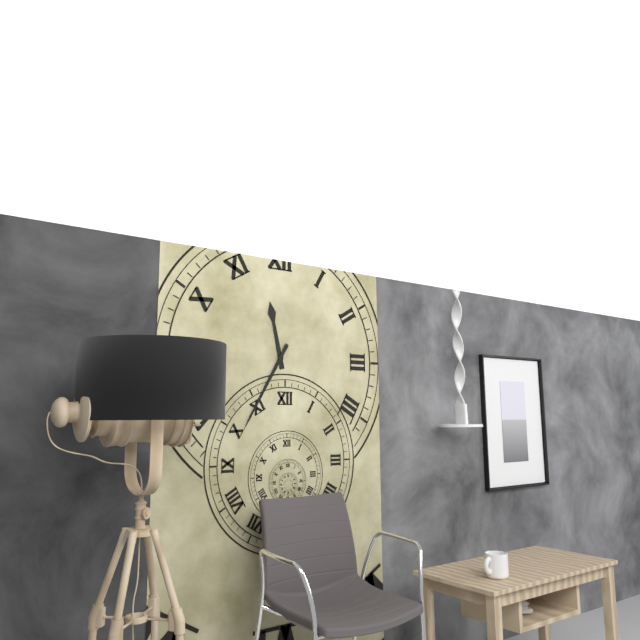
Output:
11:35
